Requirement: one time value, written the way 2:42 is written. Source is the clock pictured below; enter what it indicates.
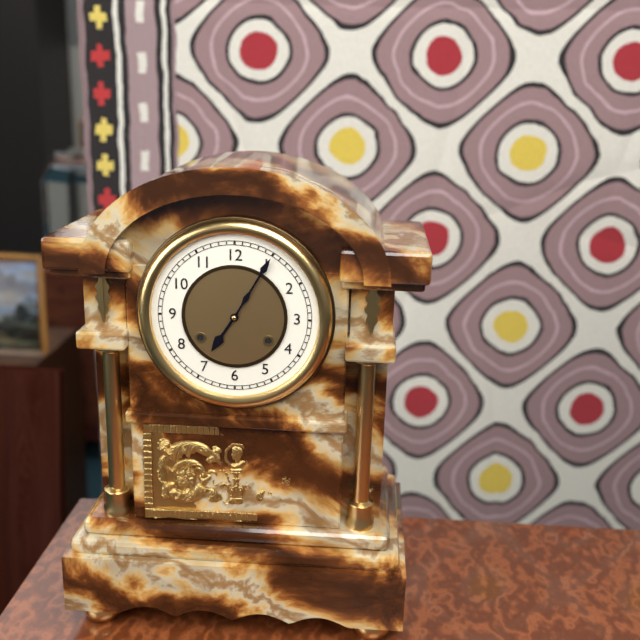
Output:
7:05
